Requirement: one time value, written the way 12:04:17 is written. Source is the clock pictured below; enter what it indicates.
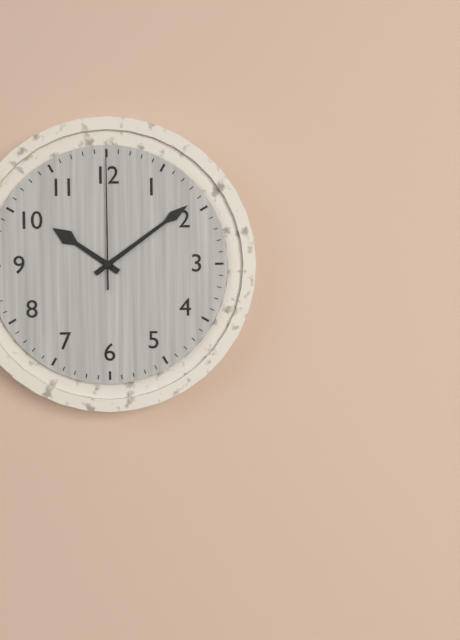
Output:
10:09:00
